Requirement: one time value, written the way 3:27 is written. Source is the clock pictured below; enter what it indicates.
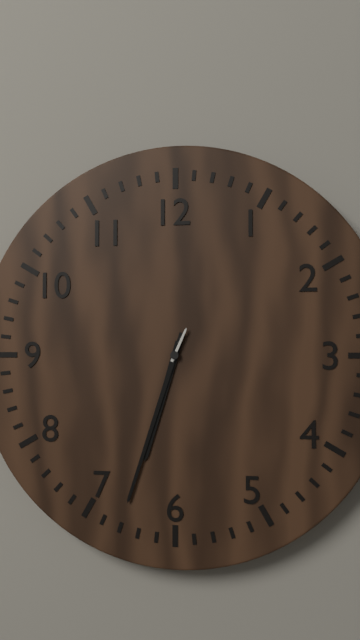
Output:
6:33
